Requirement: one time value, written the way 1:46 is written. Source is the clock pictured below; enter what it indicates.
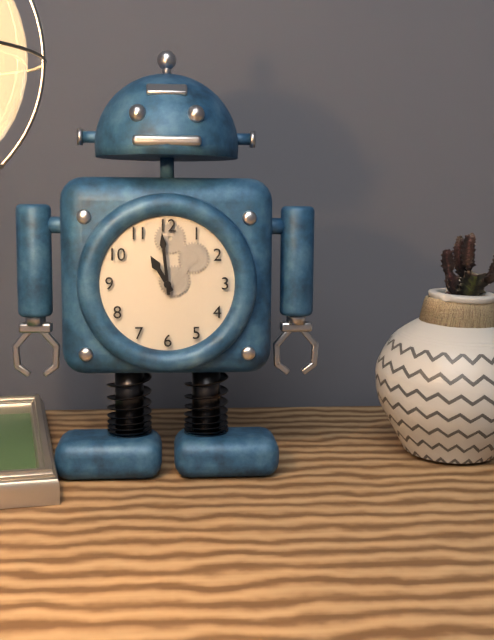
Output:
10:59
